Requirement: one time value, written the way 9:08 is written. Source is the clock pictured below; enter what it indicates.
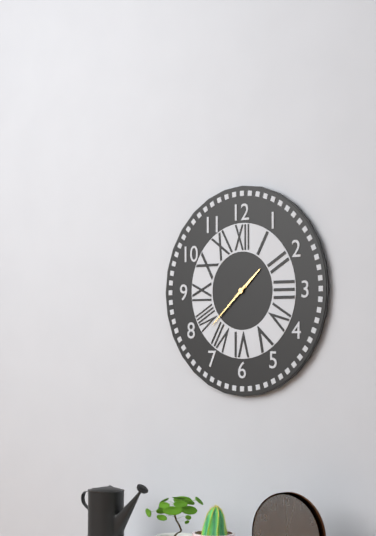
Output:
1:38
